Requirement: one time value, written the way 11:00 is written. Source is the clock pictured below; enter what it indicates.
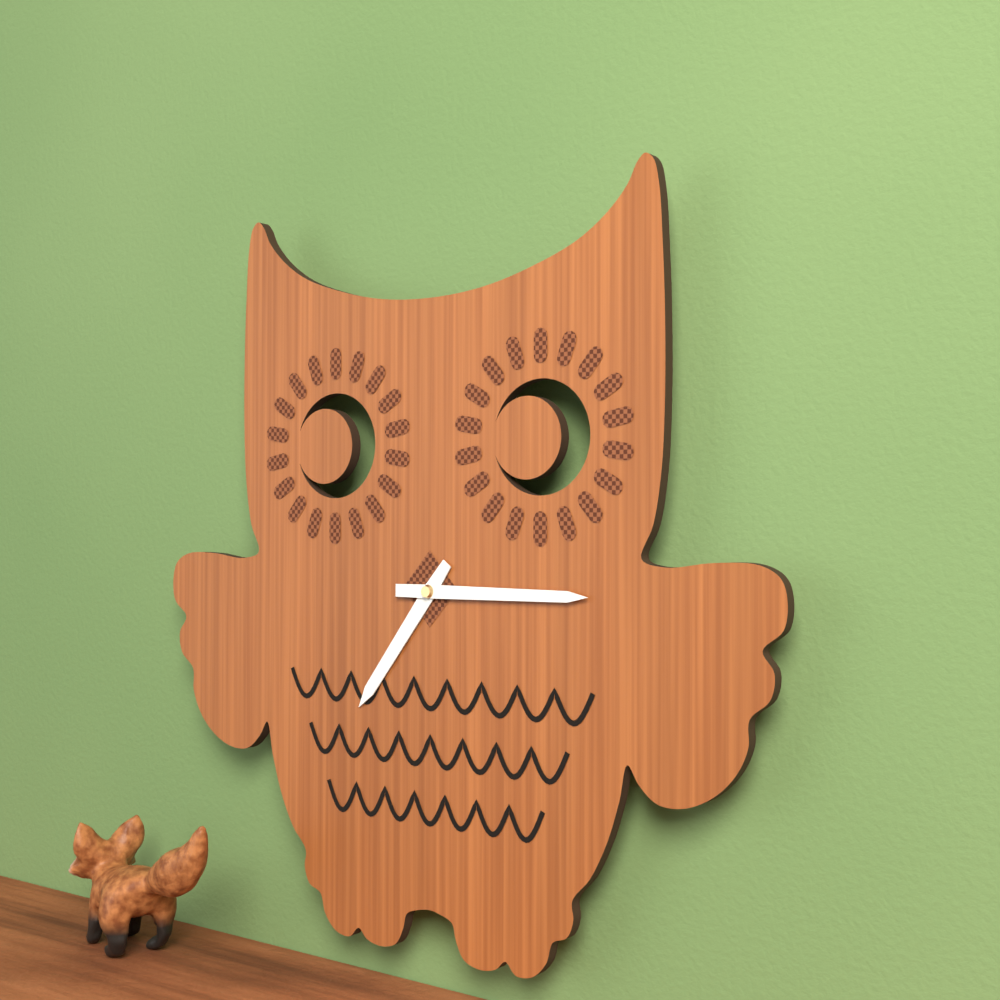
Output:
7:15
